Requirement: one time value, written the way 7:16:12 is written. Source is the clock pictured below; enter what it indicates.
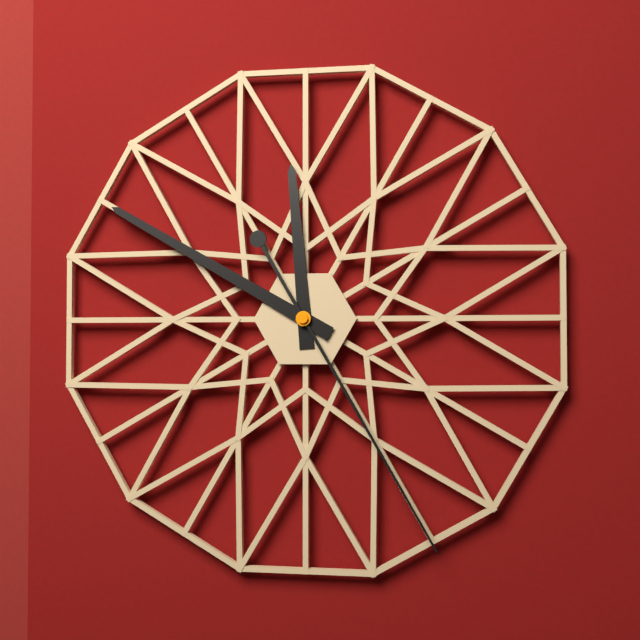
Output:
11:50:25
